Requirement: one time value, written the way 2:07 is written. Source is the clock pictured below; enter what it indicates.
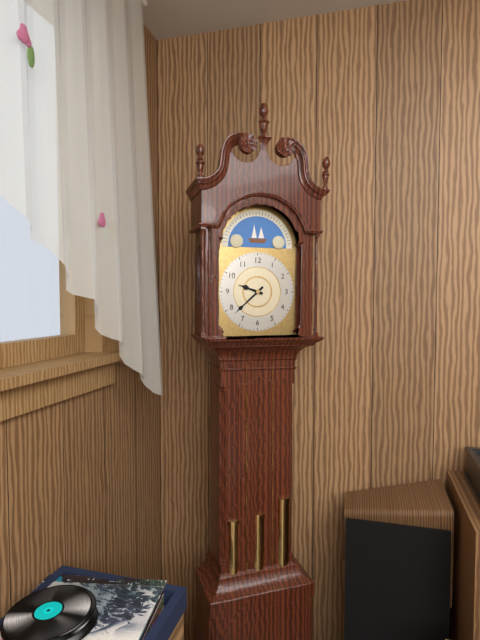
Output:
9:38
